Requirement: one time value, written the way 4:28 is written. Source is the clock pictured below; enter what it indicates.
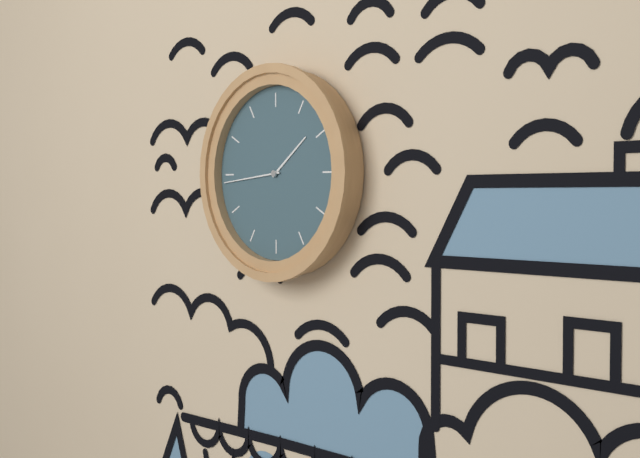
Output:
1:44
